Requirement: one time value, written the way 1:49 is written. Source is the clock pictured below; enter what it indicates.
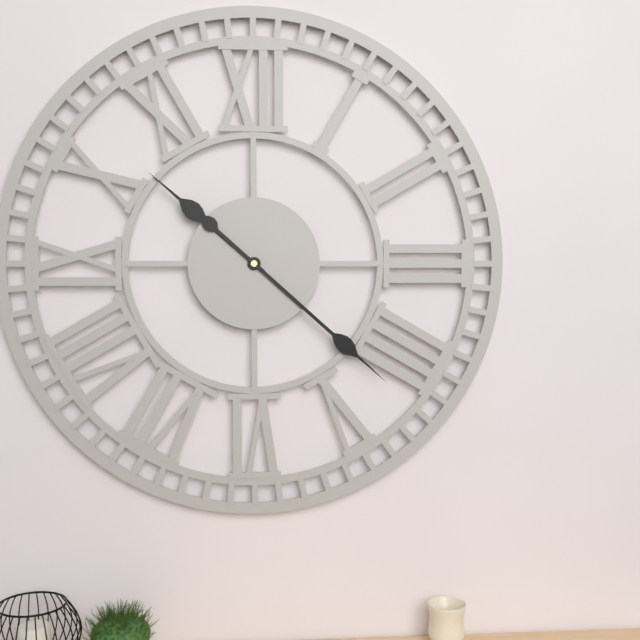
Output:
10:22
